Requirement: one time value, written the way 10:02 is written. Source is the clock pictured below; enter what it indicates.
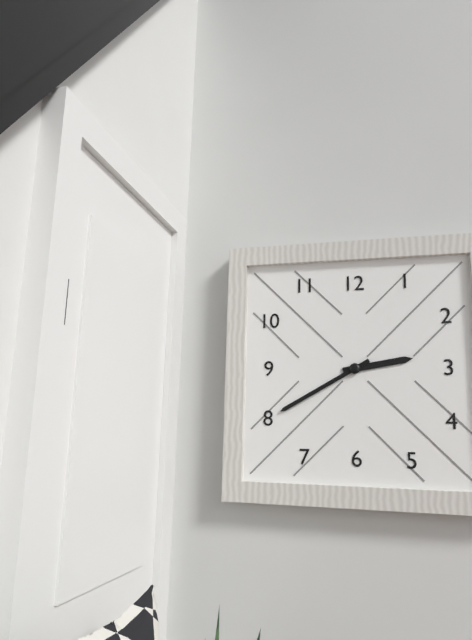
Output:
2:40
